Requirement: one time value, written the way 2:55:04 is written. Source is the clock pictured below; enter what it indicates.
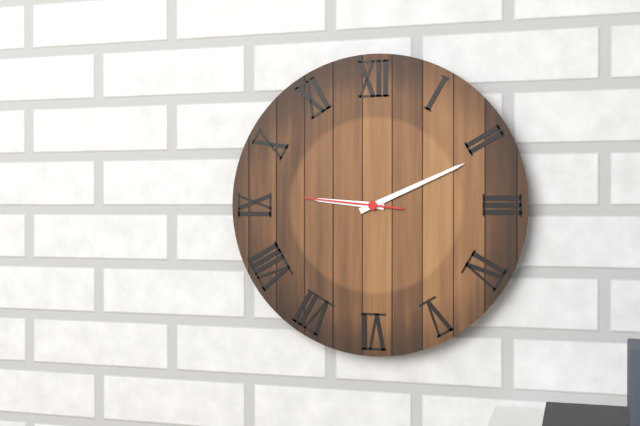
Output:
9:11:46
